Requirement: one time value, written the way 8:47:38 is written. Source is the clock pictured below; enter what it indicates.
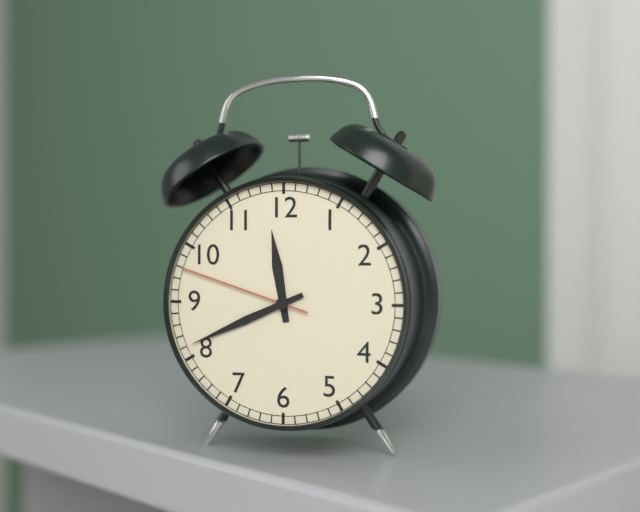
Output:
11:41:48
